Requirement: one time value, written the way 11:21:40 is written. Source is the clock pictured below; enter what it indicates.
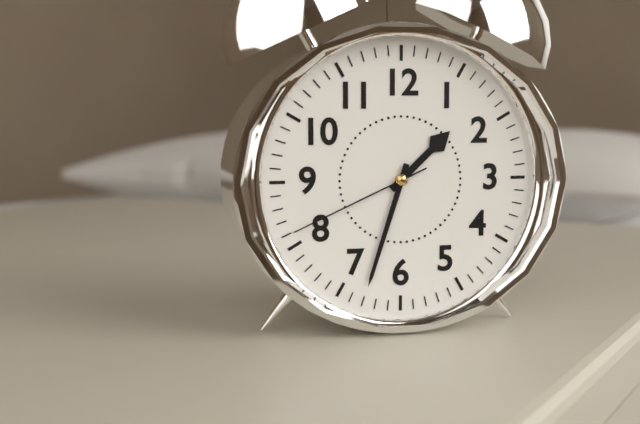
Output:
1:33:41
